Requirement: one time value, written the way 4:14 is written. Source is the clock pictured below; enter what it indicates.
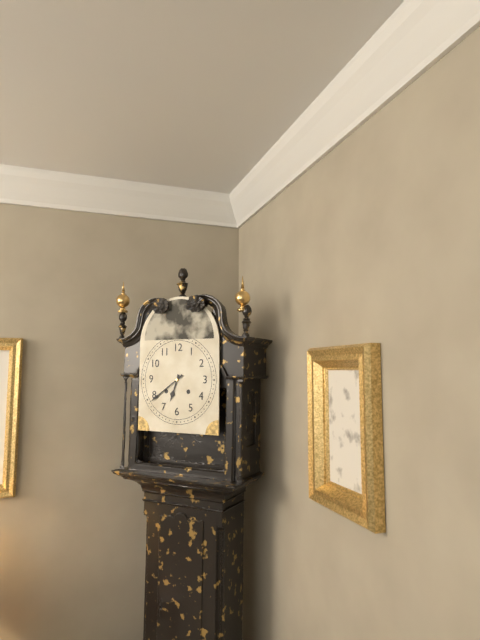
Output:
6:39
